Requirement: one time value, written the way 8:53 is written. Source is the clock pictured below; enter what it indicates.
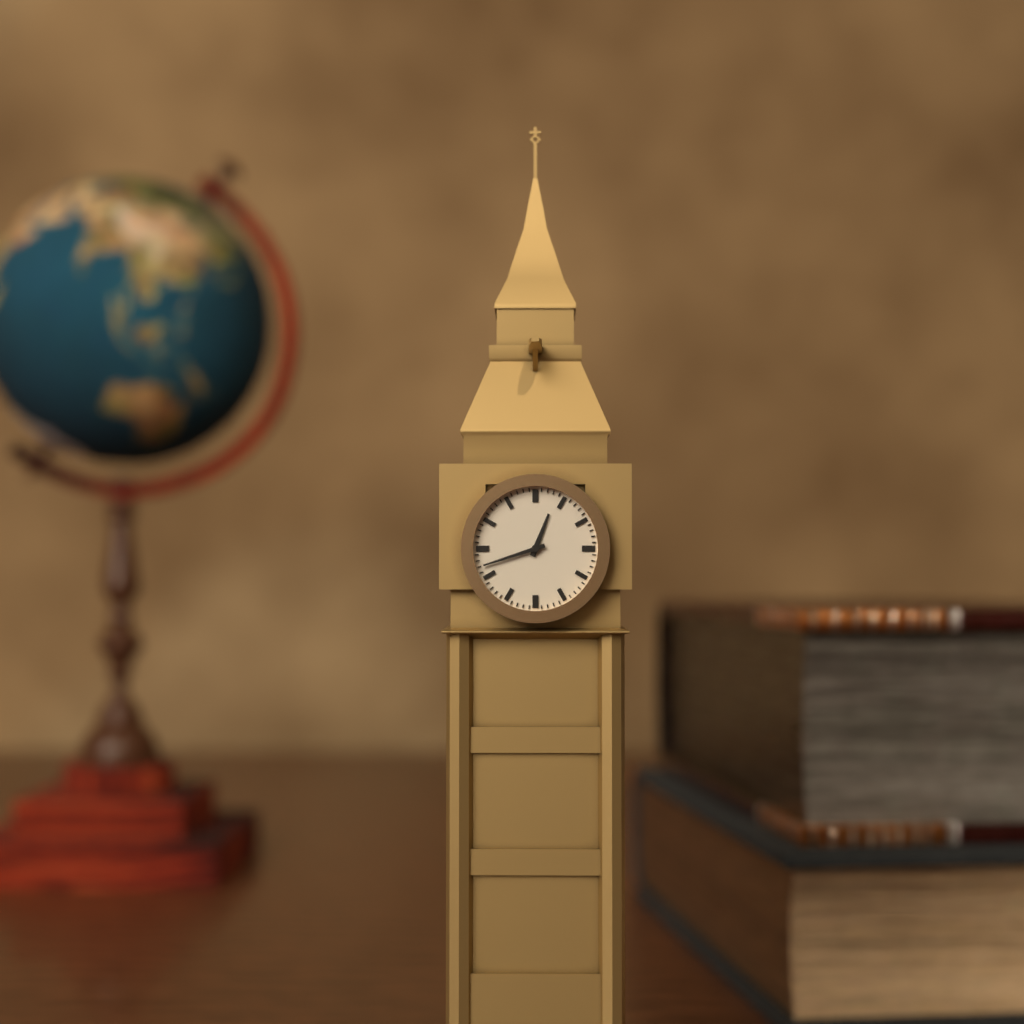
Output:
12:42
